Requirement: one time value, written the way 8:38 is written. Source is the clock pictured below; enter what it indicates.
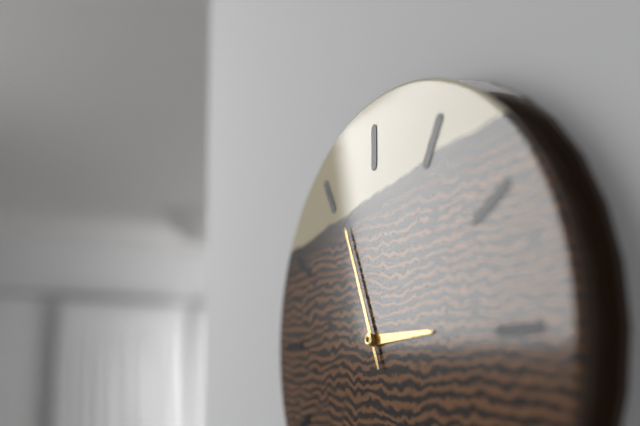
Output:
2:56
